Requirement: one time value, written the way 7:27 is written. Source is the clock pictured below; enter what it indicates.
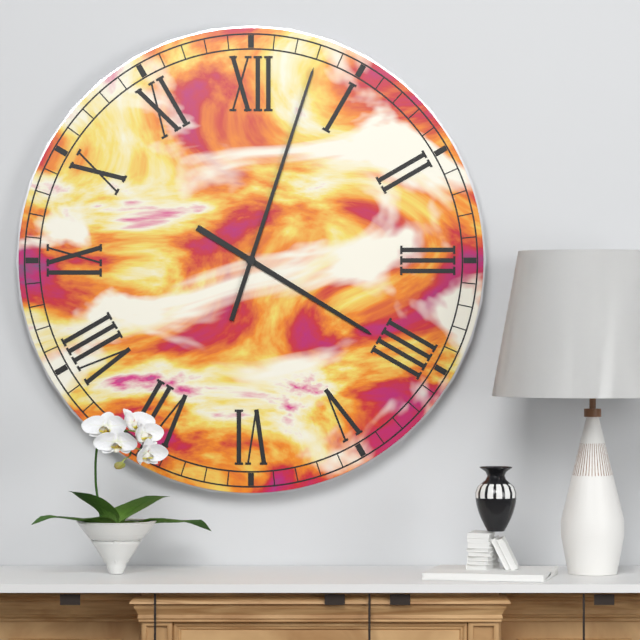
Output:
4:03
